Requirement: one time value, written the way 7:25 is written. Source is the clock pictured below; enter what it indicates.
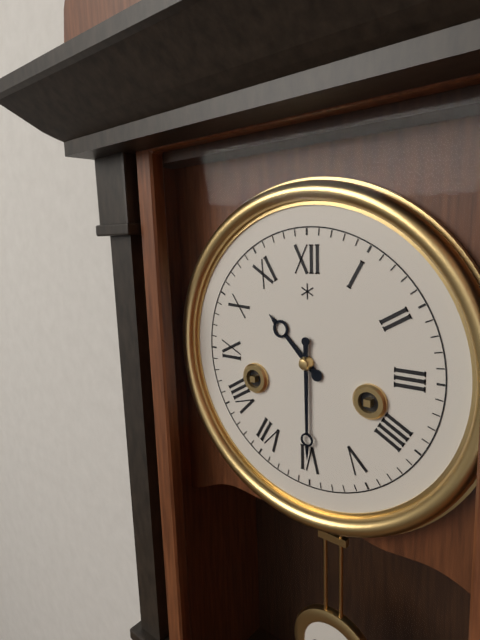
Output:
10:30
